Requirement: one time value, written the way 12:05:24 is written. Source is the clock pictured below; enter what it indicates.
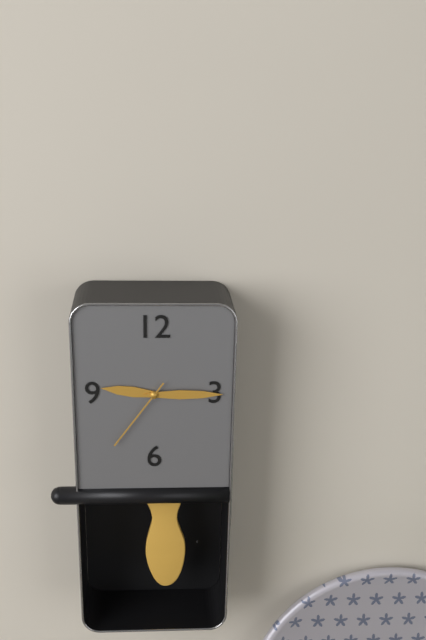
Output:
9:15:36
